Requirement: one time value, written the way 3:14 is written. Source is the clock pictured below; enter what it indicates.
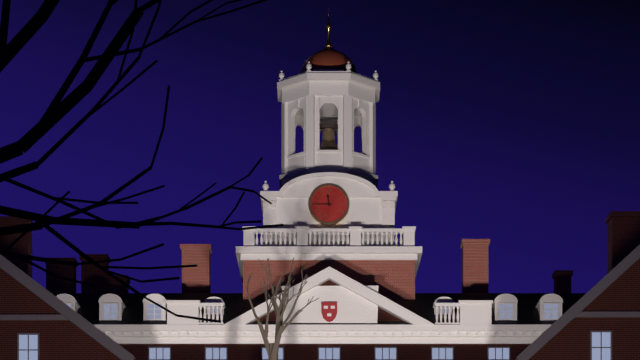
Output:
11:45
